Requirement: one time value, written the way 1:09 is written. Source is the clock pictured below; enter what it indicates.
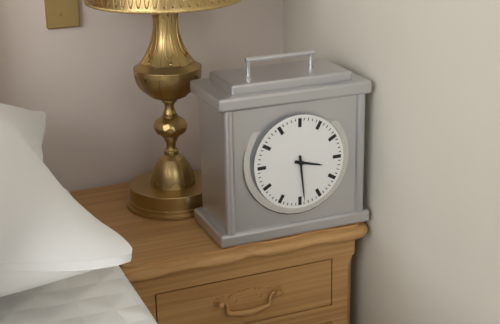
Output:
3:29
